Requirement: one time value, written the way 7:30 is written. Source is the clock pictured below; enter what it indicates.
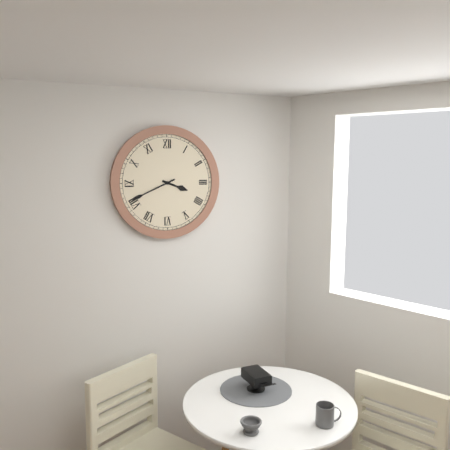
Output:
3:41
